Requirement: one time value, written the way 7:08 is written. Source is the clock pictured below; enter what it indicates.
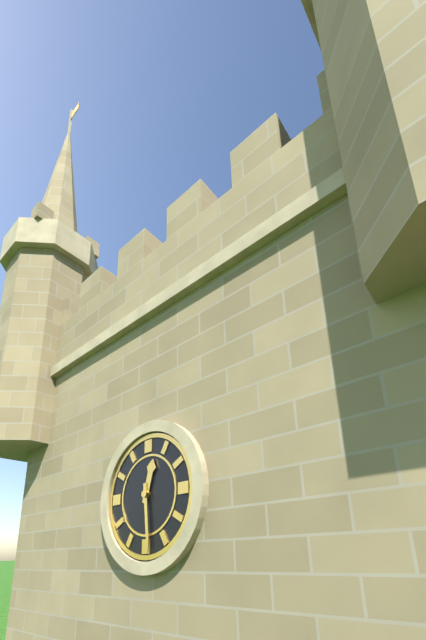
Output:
12:29
